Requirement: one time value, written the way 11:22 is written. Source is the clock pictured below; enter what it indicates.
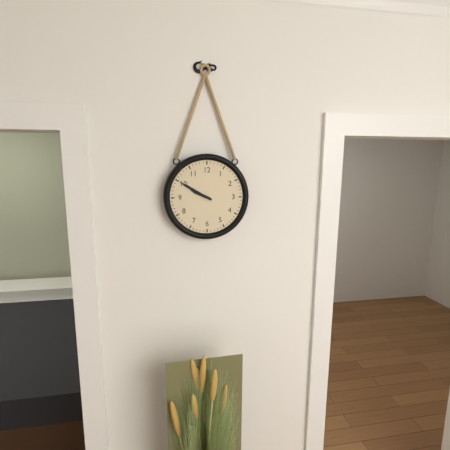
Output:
9:50
